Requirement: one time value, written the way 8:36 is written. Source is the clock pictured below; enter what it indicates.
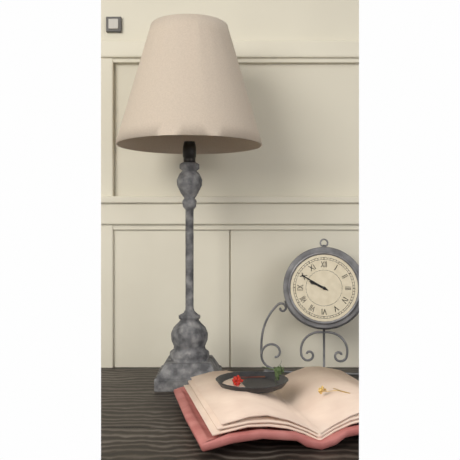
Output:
9:50
